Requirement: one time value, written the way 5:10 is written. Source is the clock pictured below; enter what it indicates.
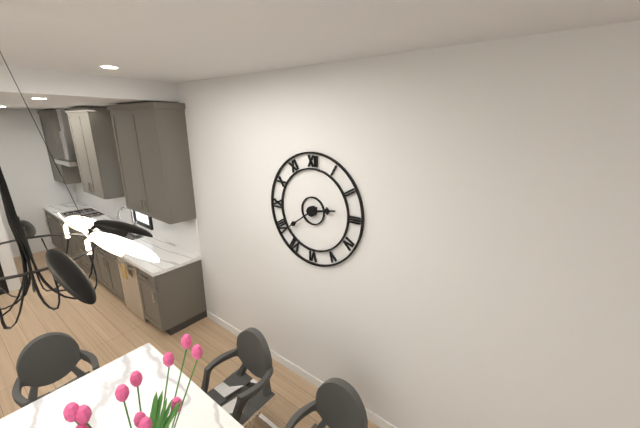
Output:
2:39
